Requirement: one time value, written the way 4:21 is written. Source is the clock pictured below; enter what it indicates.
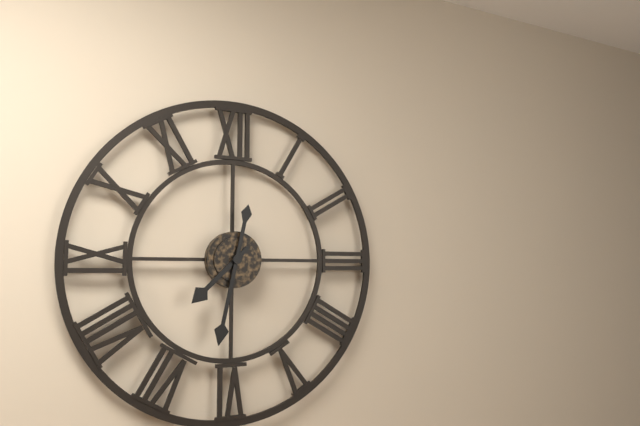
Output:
7:32
